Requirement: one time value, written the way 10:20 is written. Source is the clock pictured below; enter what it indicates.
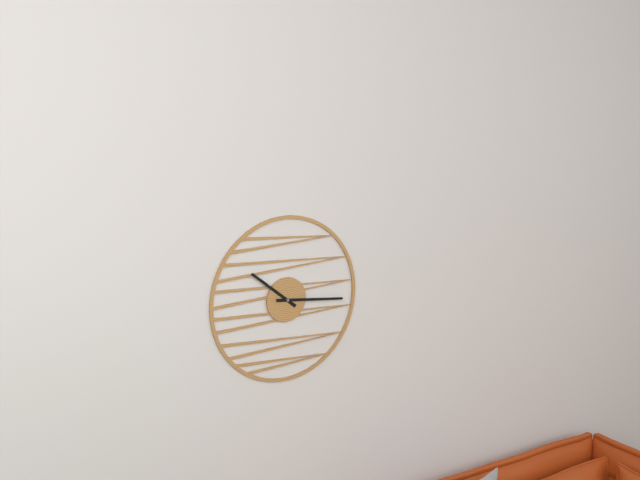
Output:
10:16
